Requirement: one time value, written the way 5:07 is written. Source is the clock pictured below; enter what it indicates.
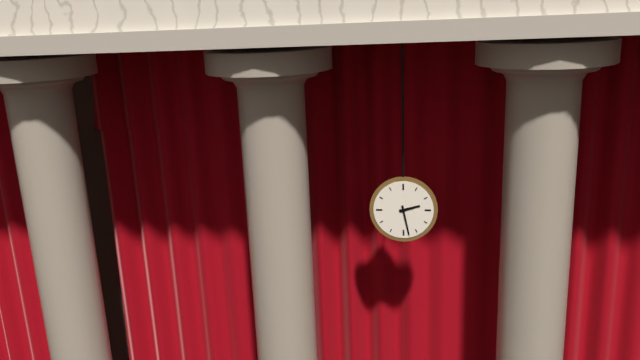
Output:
2:28
